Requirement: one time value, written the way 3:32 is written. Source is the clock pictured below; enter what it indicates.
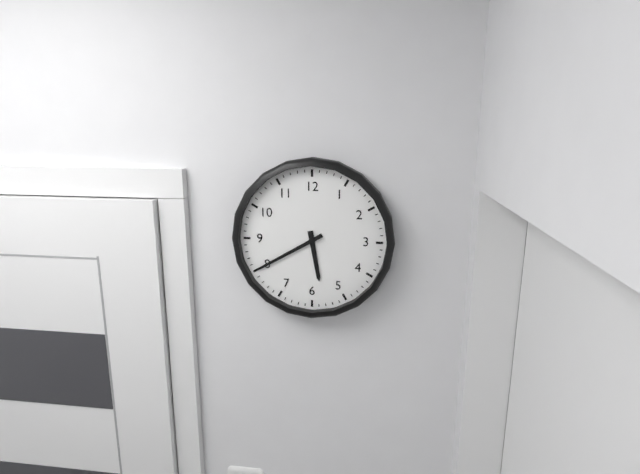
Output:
5:40
